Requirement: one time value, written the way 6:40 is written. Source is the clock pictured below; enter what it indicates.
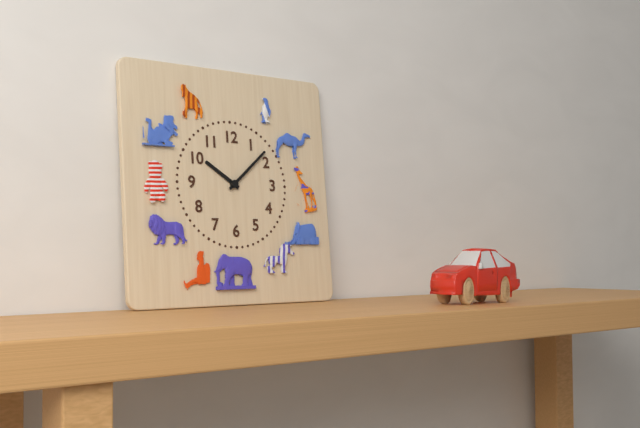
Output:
10:08
